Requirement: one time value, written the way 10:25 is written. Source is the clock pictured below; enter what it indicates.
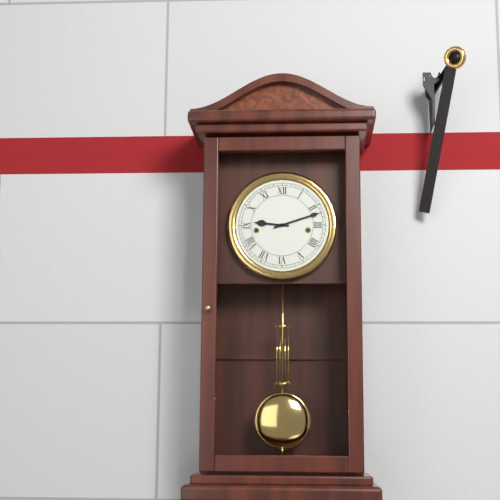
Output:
9:12
